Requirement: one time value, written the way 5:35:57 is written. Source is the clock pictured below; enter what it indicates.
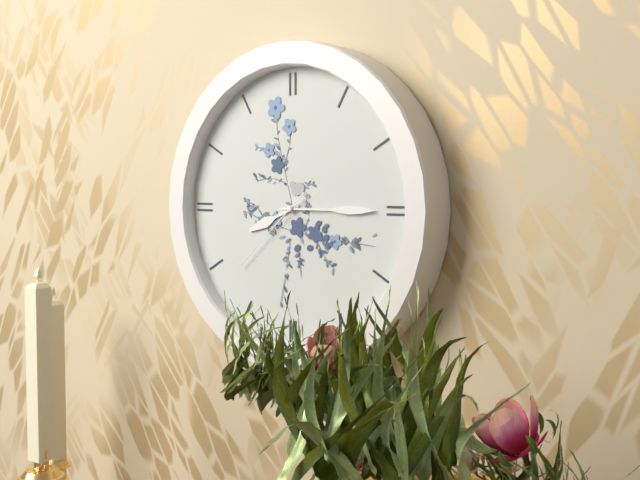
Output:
8:15:38
